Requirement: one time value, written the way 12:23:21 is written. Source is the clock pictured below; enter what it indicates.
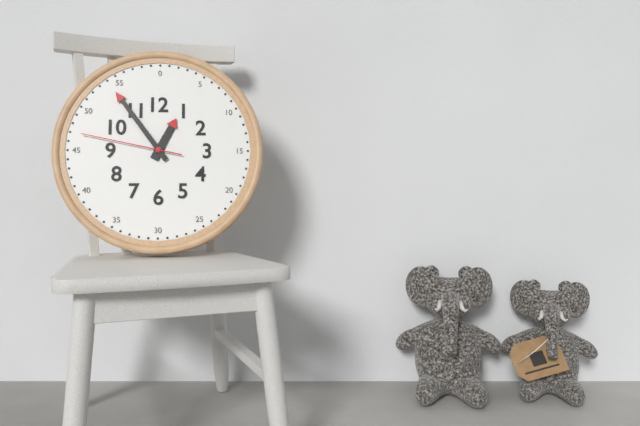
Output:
12:54:47
